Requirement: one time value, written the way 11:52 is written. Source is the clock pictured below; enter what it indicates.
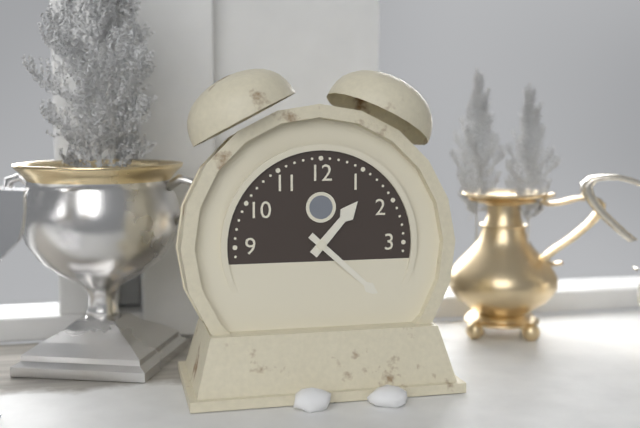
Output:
1:22
